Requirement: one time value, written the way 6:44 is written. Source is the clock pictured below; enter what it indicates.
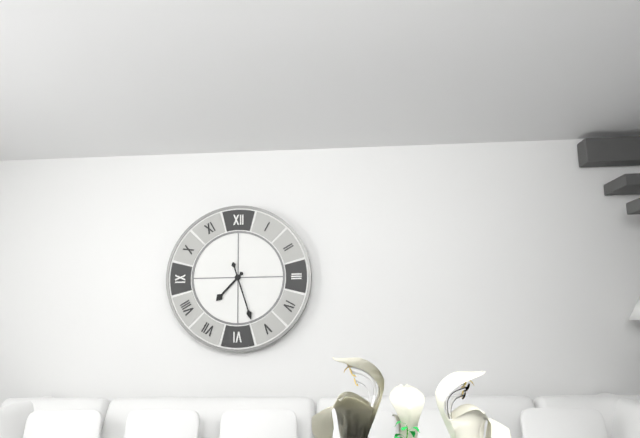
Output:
7:27
